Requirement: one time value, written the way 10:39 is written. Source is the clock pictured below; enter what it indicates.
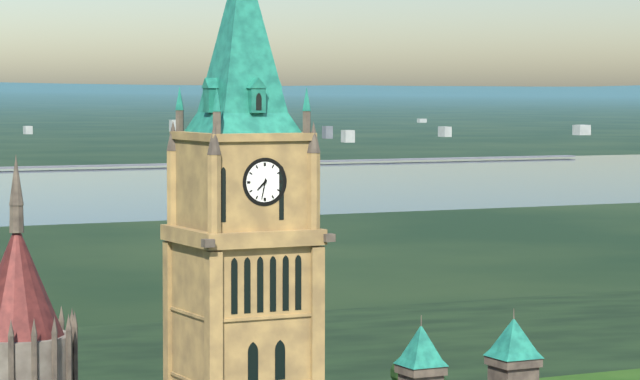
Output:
7:32
